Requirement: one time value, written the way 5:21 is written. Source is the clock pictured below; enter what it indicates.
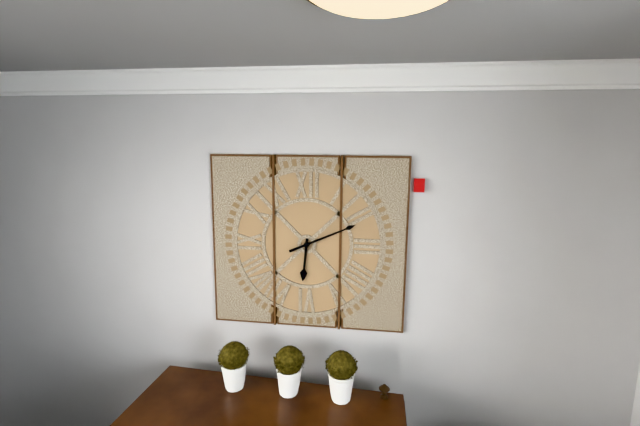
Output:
6:11
